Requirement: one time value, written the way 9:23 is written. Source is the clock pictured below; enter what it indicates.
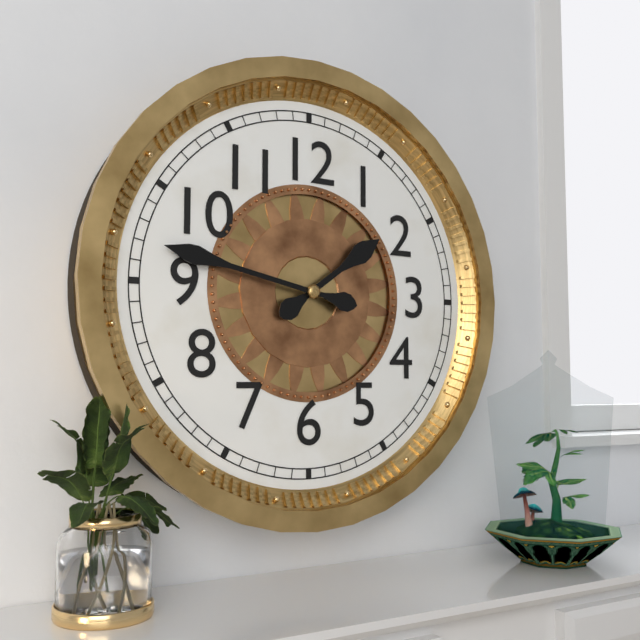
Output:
1:47
